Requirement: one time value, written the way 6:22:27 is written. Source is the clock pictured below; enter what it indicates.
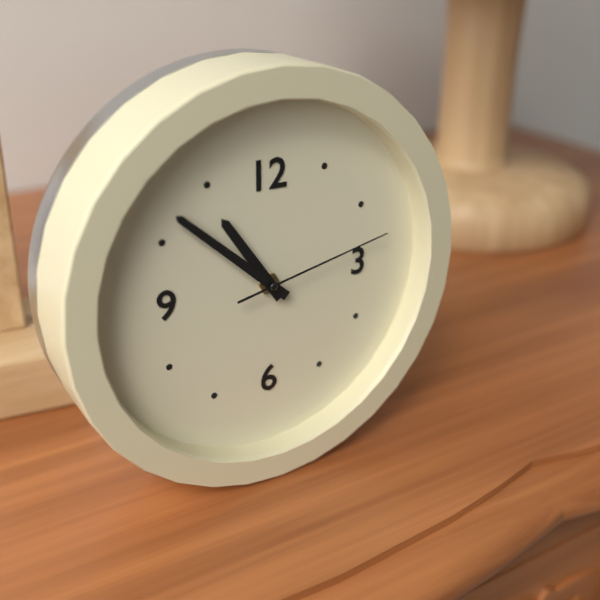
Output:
10:52:13
